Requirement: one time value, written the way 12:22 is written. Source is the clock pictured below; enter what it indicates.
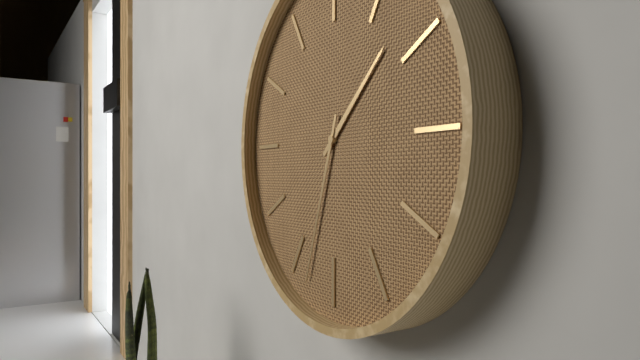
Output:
1:33
